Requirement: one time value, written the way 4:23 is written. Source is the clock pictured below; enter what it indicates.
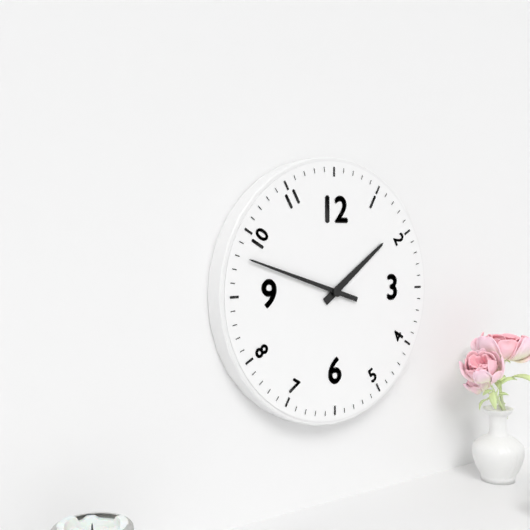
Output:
1:48
